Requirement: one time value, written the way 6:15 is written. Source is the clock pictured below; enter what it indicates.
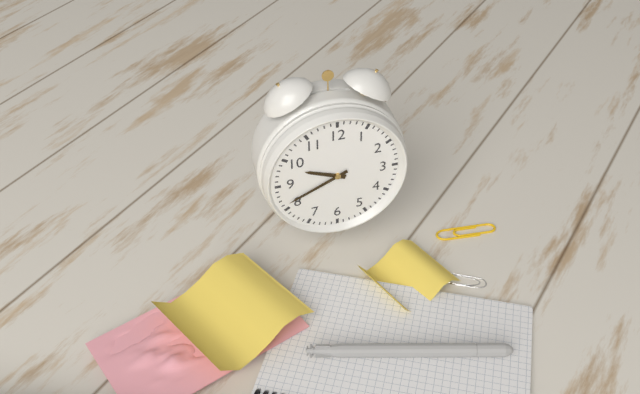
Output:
9:41
